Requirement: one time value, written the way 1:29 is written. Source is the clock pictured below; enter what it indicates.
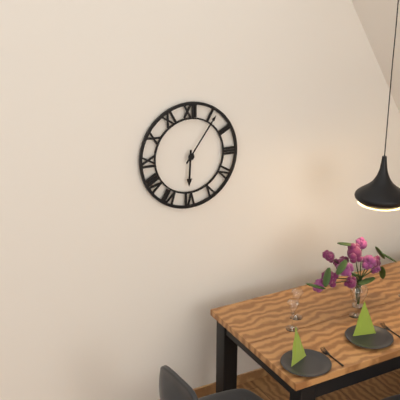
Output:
6:06
